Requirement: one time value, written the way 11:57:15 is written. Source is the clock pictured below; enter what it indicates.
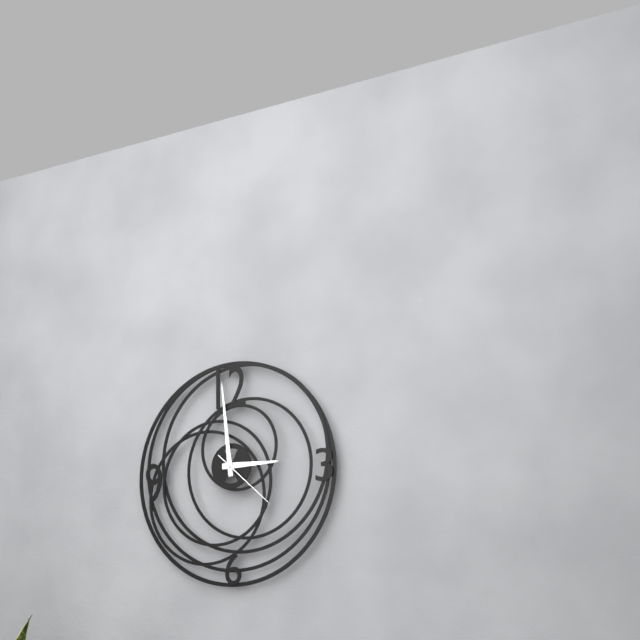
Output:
2:59:22
